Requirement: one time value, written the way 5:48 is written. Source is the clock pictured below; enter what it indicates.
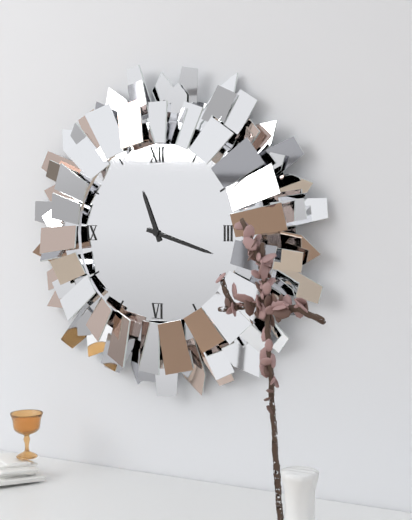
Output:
11:18
